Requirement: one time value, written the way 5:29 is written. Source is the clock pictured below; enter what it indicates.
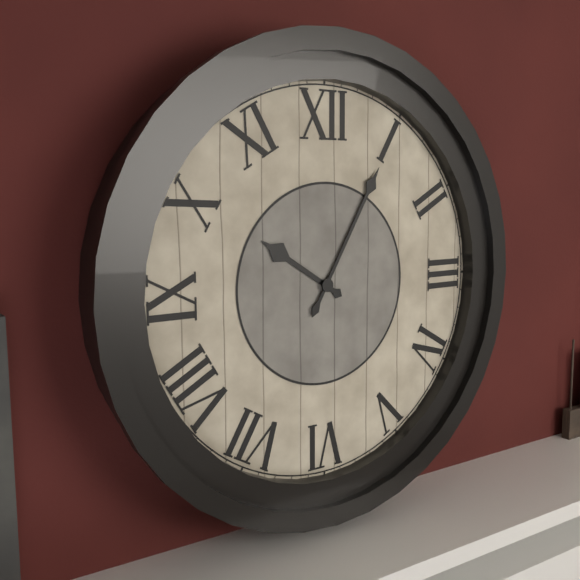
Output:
10:05
